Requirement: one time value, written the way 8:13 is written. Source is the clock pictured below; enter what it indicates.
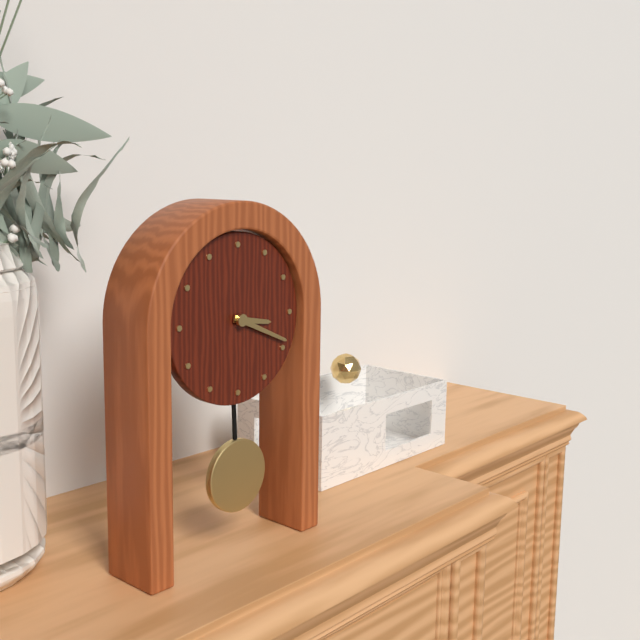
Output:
3:19
